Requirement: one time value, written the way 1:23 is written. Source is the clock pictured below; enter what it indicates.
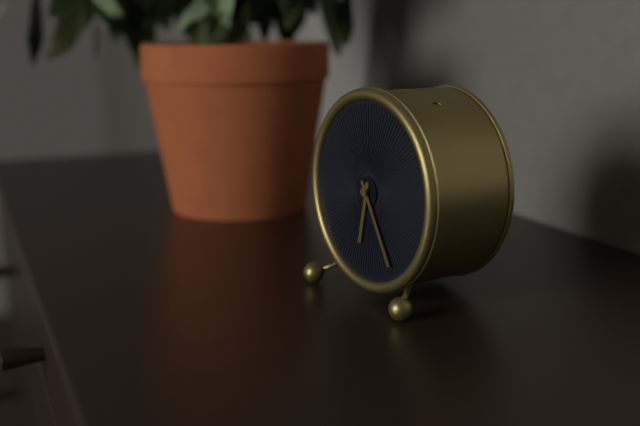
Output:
6:25
